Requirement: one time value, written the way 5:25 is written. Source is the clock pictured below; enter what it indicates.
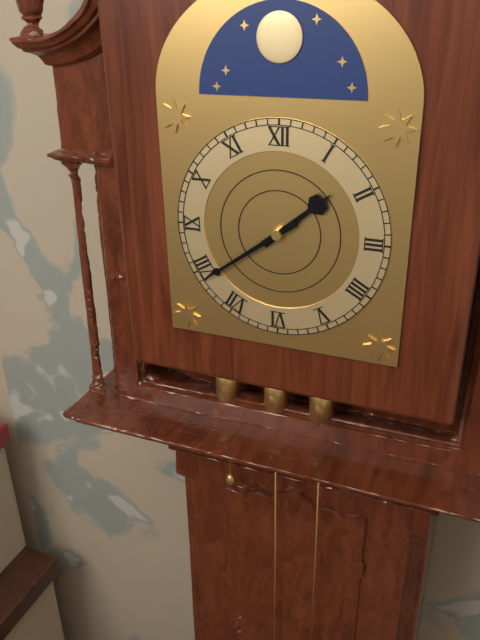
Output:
1:39
